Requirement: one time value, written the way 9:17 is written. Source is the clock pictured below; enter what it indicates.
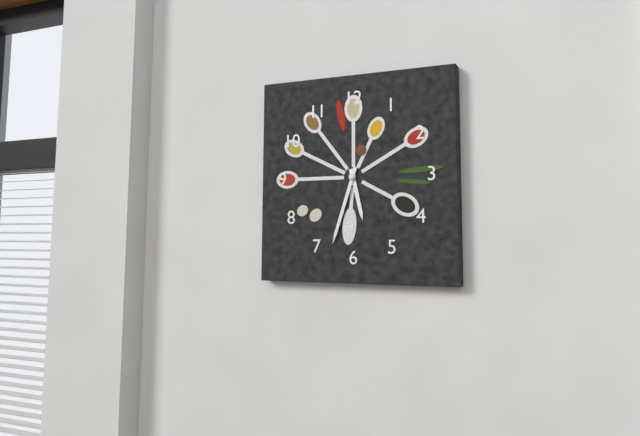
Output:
5:33
